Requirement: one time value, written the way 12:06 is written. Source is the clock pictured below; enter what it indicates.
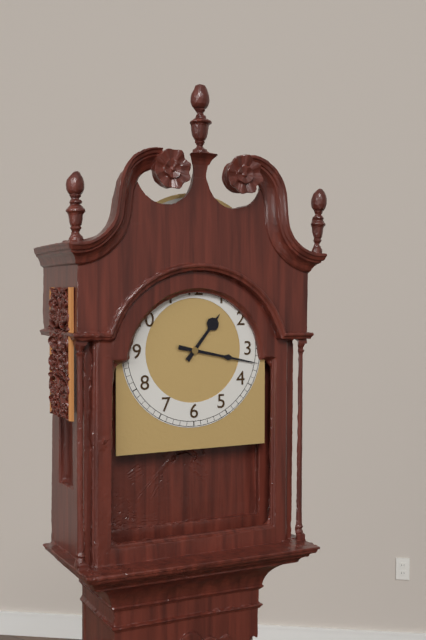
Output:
1:17
